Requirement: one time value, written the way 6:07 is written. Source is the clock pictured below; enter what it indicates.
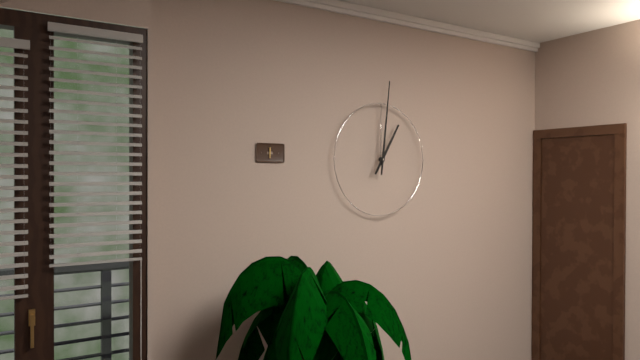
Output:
1:01
